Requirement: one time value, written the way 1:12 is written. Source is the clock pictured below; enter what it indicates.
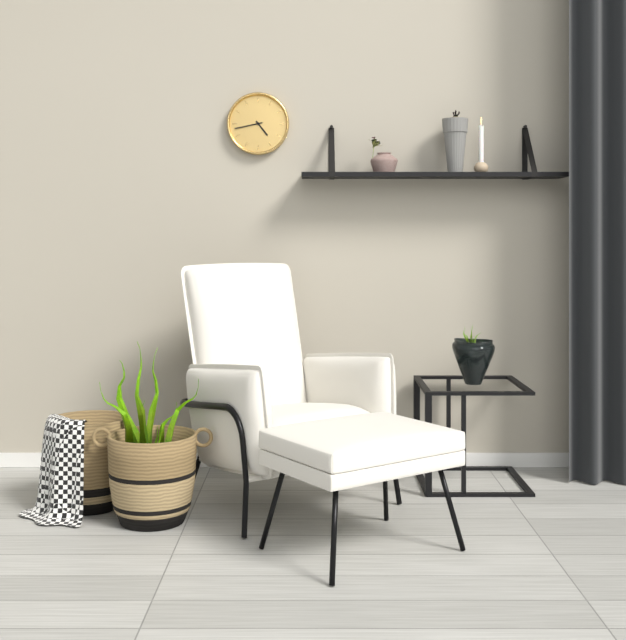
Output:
4:43
